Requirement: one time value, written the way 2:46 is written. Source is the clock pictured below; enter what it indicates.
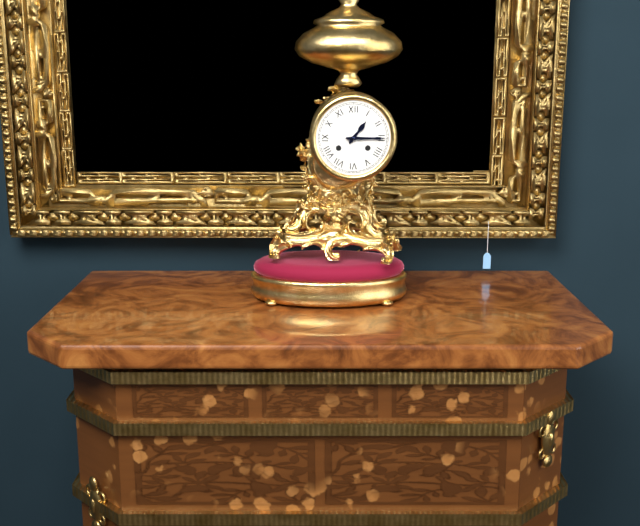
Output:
1:15
